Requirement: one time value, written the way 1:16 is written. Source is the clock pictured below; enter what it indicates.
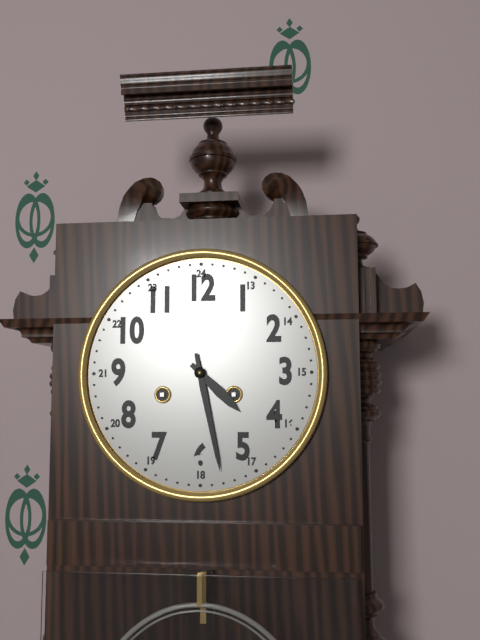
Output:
4:28
